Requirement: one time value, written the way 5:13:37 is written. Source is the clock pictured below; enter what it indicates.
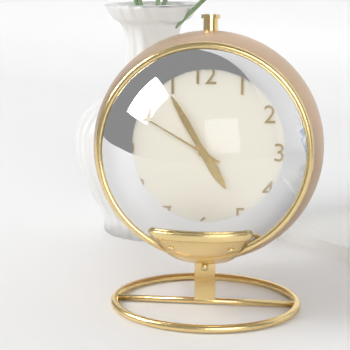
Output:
4:55:50
